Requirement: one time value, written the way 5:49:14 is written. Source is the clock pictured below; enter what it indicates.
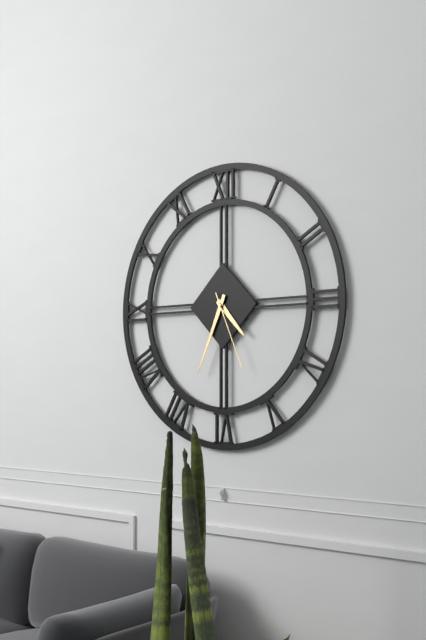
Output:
4:34:26
